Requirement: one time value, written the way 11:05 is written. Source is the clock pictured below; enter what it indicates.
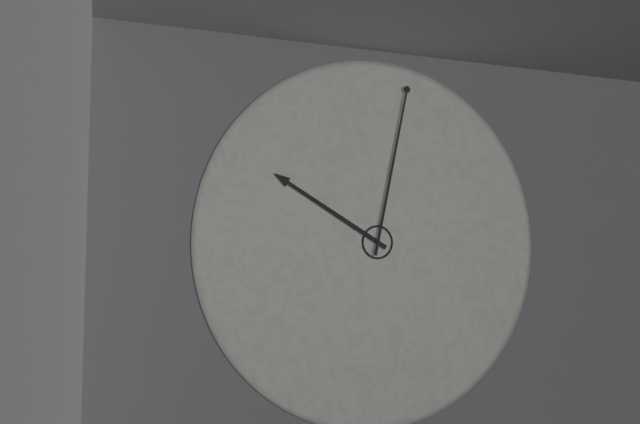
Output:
10:02
